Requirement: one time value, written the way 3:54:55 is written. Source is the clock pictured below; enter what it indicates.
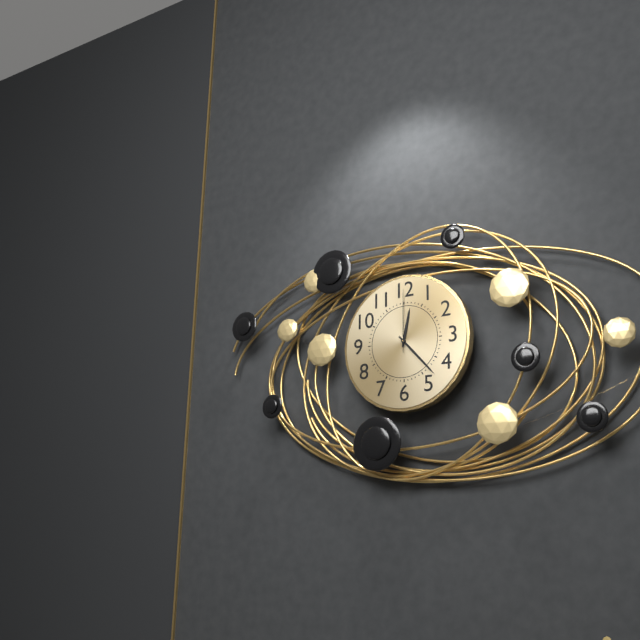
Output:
12:23:00
